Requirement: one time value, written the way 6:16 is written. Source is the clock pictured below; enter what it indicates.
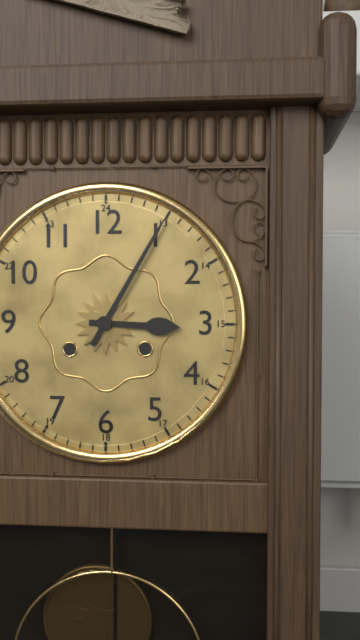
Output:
3:05
